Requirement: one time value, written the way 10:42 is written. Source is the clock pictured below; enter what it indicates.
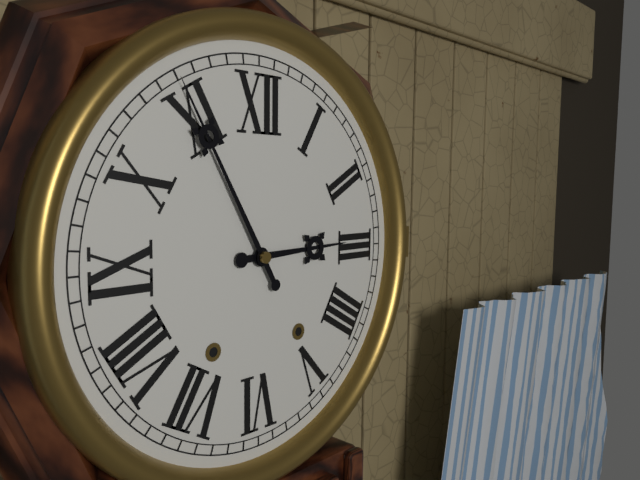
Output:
2:55
